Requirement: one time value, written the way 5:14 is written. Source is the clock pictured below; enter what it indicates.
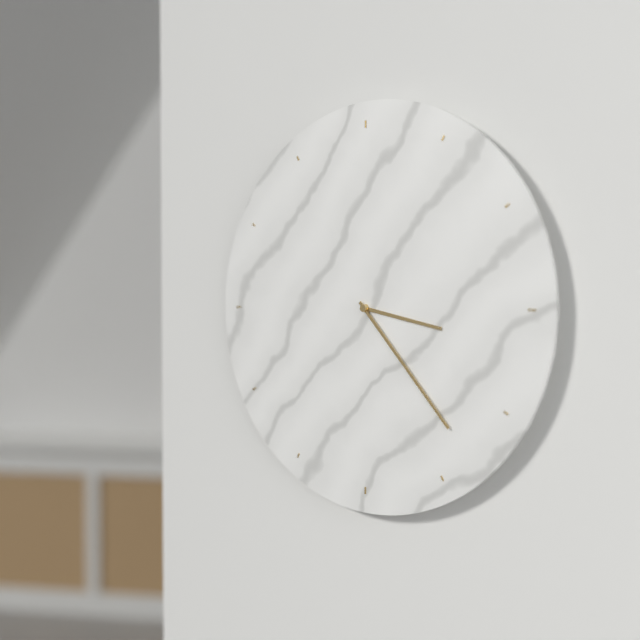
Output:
3:23
